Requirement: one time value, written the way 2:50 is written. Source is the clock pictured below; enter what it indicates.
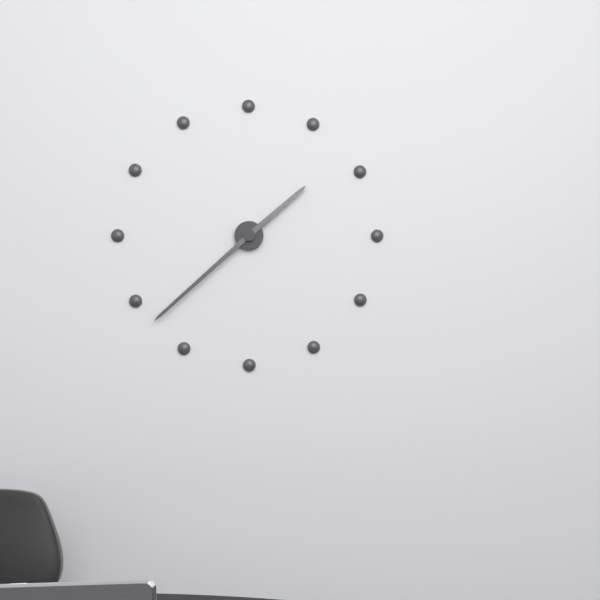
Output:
1:38
